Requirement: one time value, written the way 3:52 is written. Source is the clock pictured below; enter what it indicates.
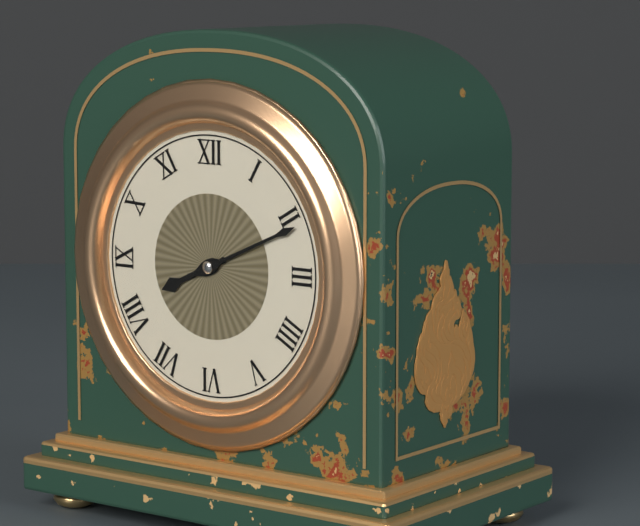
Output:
8:11
